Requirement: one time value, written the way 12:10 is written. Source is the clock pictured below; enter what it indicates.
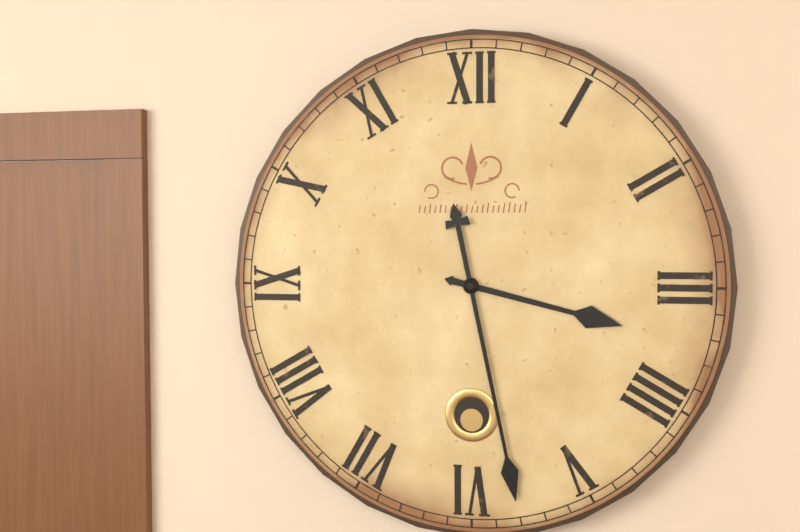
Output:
3:28
